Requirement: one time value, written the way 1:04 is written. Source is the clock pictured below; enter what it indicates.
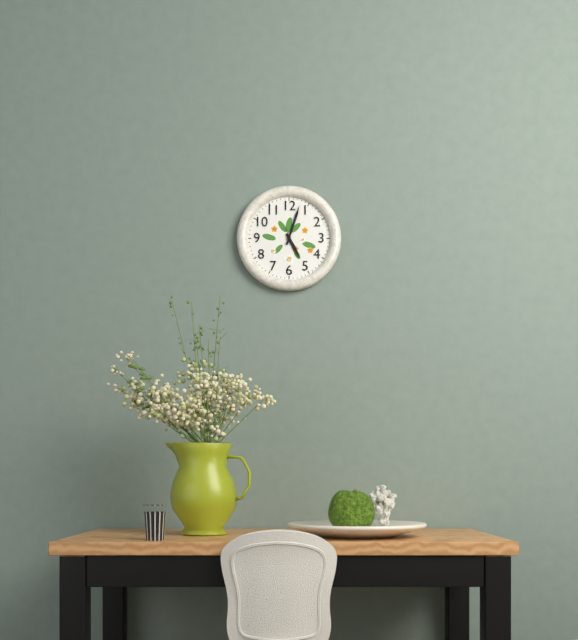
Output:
5:03
